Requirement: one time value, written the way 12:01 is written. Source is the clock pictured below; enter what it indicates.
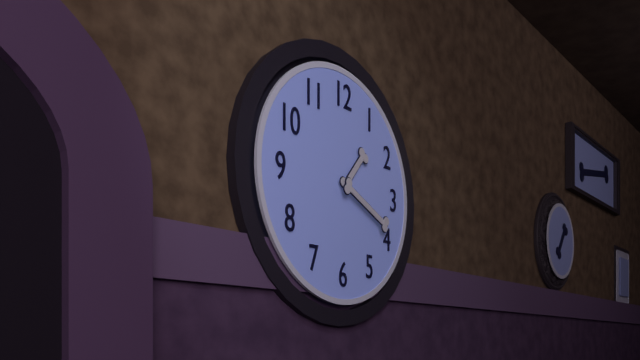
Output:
1:19
